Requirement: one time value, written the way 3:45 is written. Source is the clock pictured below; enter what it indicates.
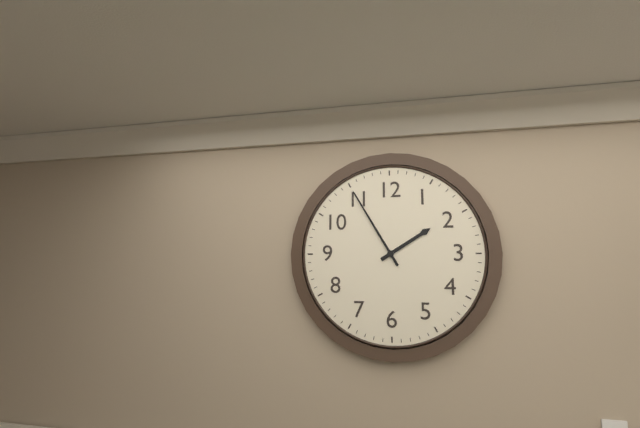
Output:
1:55
